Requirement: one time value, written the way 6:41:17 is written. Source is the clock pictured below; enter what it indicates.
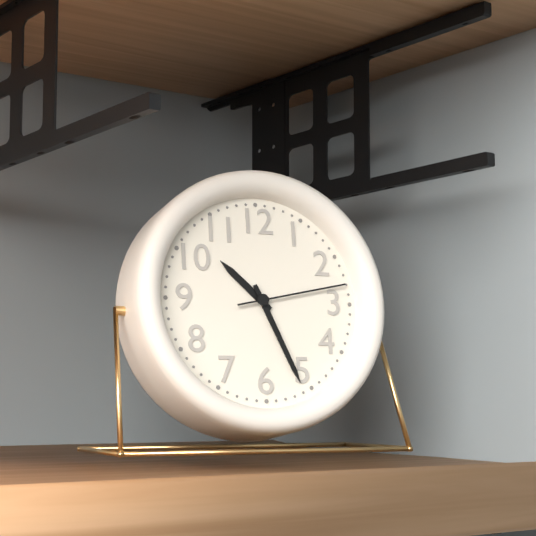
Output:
10:26:13
